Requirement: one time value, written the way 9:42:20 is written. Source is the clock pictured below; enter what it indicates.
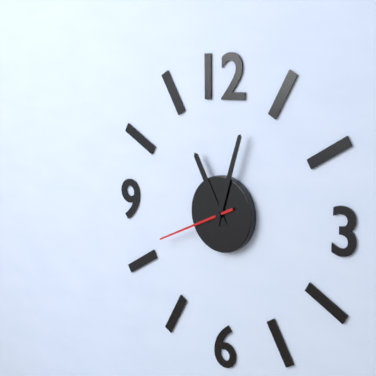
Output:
11:03:41
